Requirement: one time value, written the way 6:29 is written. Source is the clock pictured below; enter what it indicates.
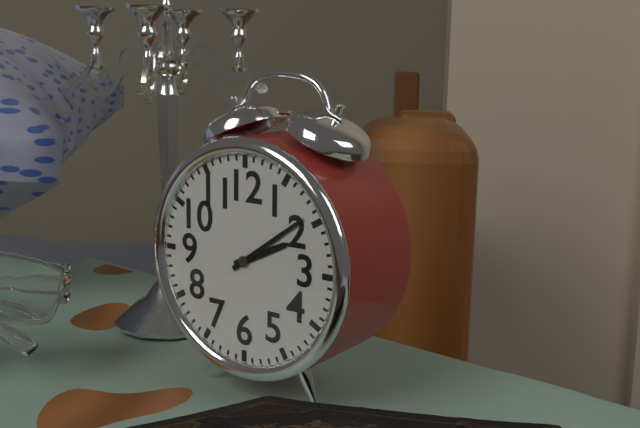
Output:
2:09
